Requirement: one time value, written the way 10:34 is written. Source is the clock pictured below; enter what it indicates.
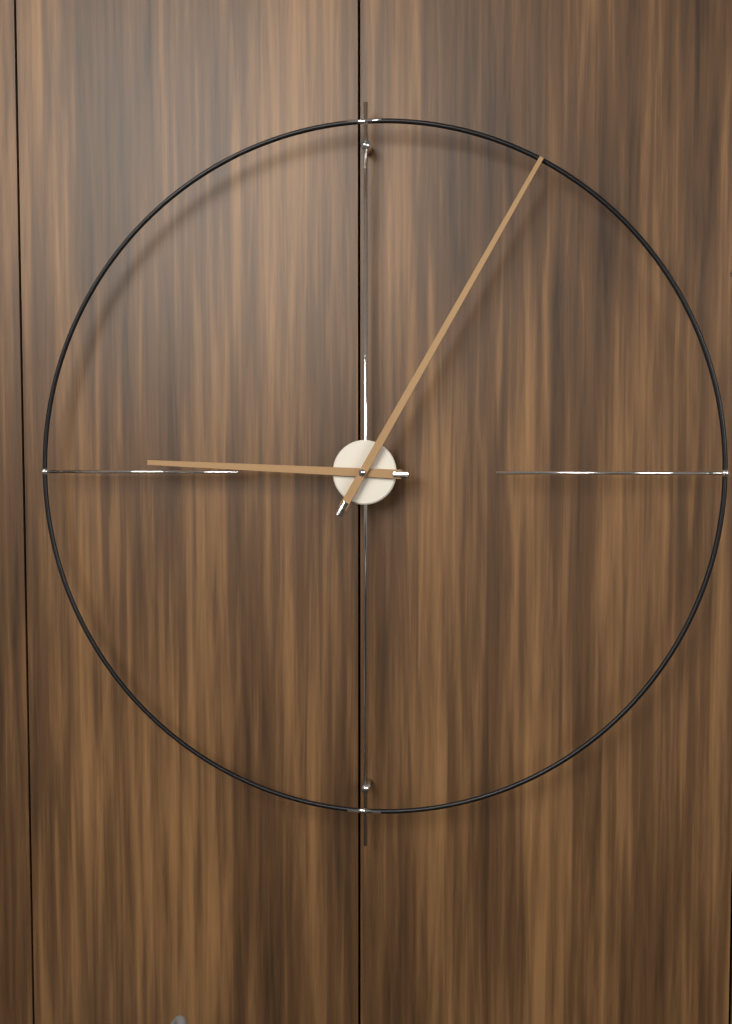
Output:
9:05
